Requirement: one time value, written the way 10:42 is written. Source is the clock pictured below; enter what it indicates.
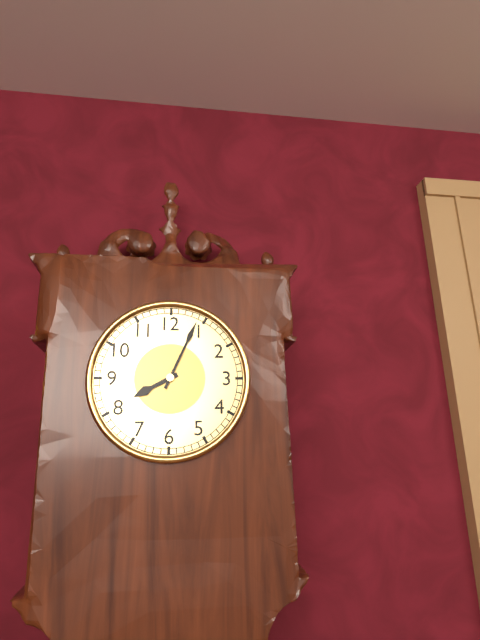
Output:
8:04
